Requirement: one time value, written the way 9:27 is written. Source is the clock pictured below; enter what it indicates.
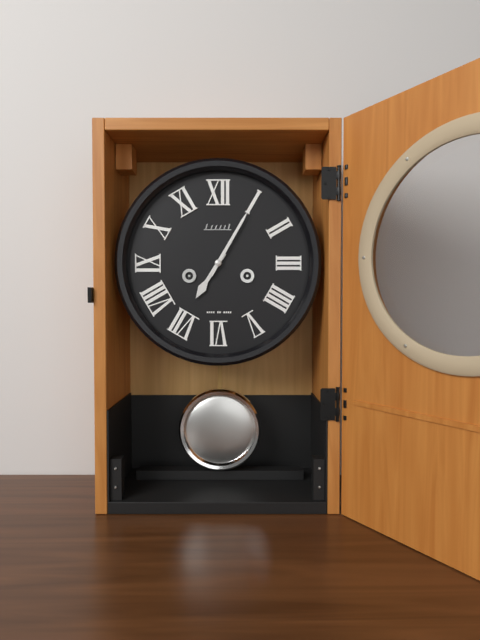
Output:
7:05
